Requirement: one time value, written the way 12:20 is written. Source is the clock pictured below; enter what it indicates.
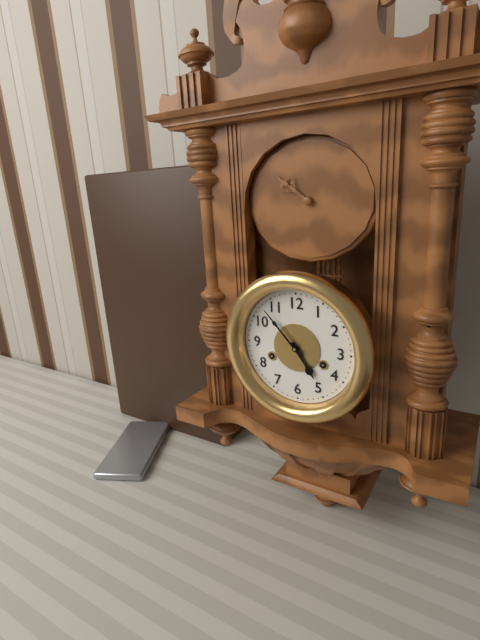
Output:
4:53
